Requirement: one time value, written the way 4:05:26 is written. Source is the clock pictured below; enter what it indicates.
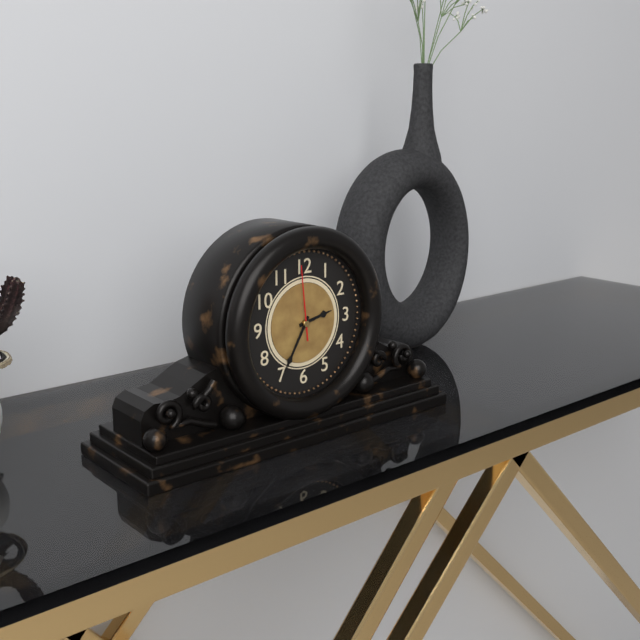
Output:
2:35:59
